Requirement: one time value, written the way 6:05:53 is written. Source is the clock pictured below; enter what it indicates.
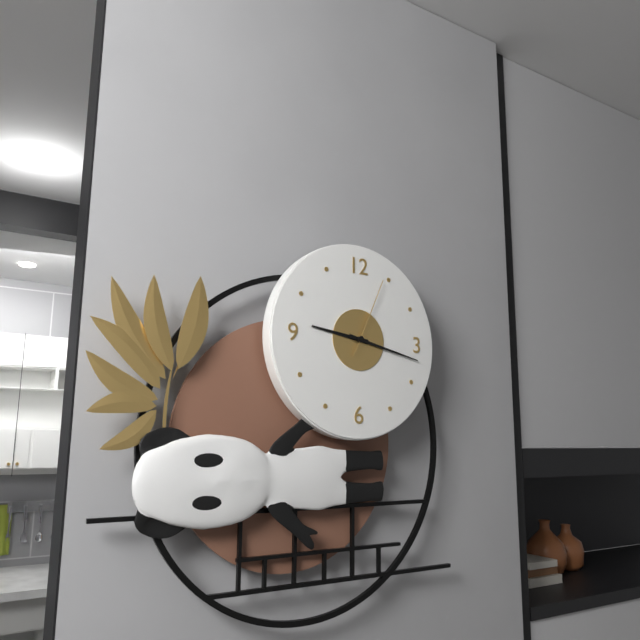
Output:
9:17:04
